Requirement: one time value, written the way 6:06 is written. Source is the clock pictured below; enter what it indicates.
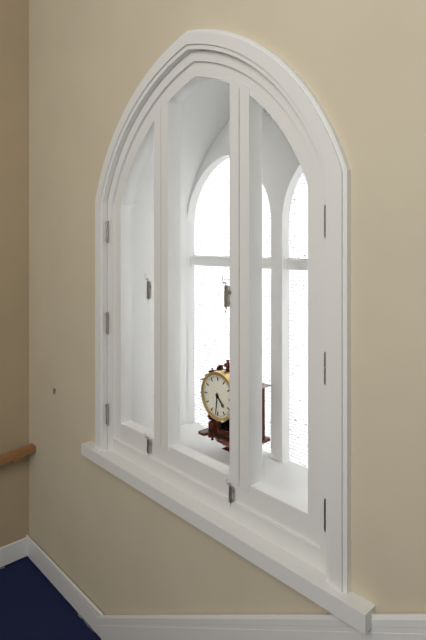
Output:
4:31
